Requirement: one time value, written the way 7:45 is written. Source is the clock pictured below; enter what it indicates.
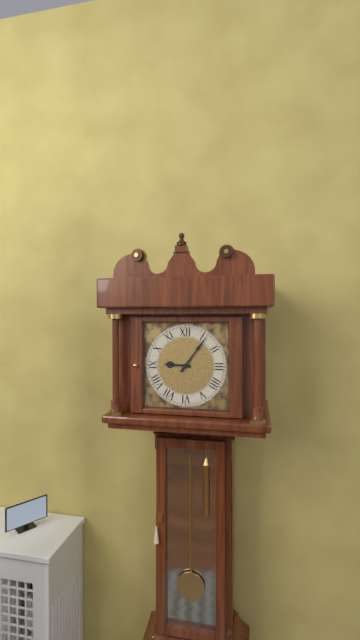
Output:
9:06
